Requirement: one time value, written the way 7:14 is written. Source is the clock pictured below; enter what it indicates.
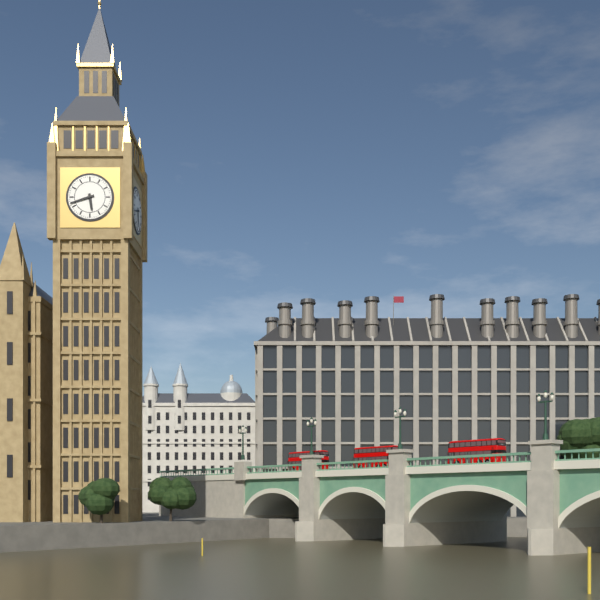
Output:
5:42
